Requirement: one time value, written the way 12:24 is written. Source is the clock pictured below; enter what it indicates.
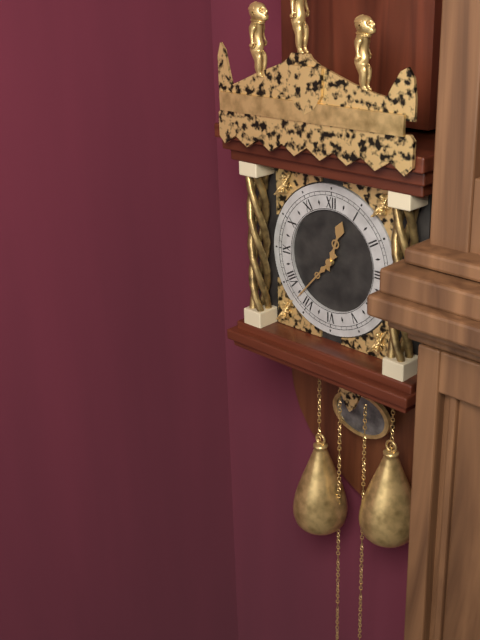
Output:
12:37
